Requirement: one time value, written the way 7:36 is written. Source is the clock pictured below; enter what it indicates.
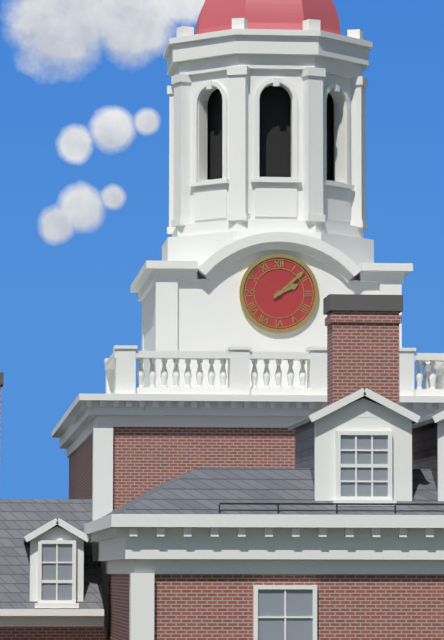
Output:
2:08
